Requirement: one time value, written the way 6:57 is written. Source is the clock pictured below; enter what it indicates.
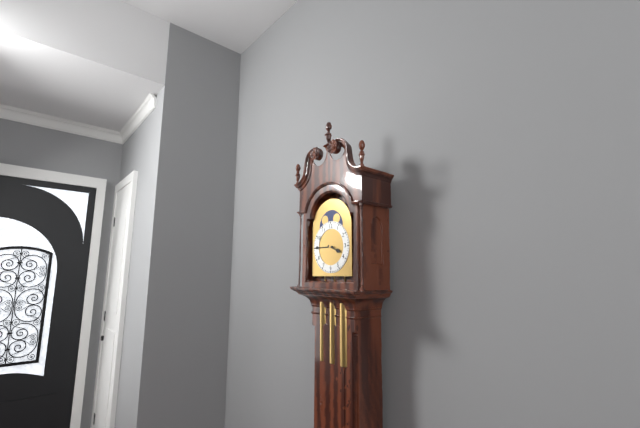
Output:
3:45
